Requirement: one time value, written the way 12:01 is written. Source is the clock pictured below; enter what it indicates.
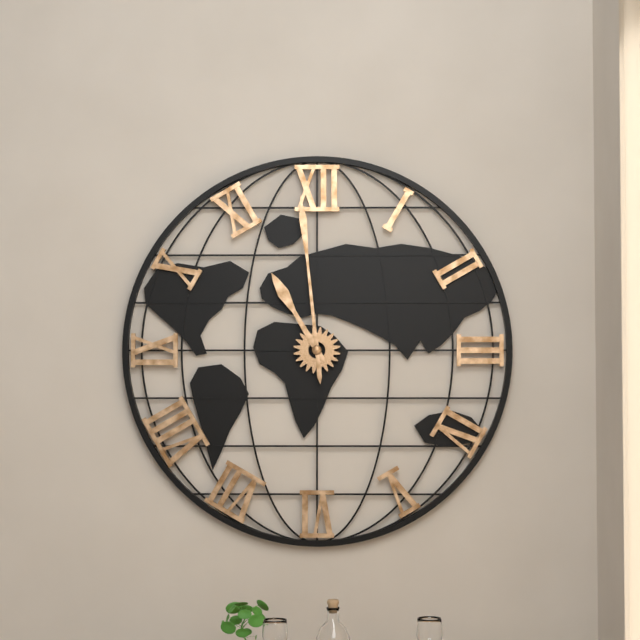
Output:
10:59
